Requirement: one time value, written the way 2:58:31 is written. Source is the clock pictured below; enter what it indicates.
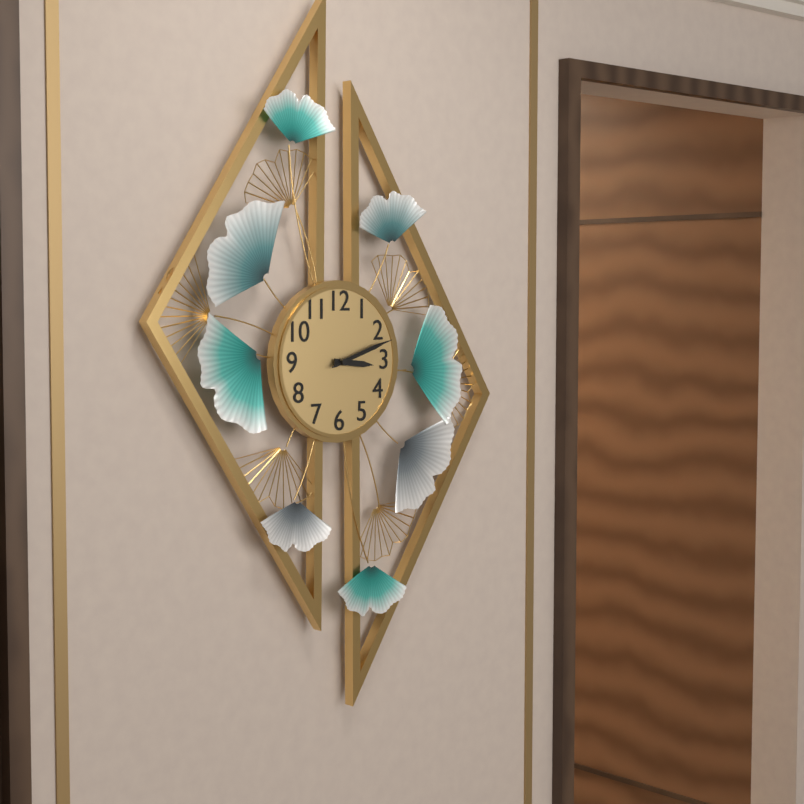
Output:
3:12:12
